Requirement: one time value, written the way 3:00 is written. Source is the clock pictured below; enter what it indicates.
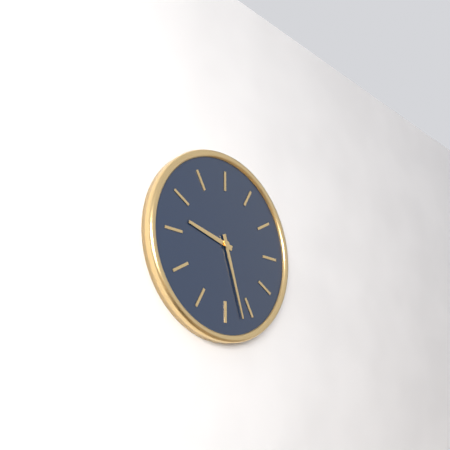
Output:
9:27
